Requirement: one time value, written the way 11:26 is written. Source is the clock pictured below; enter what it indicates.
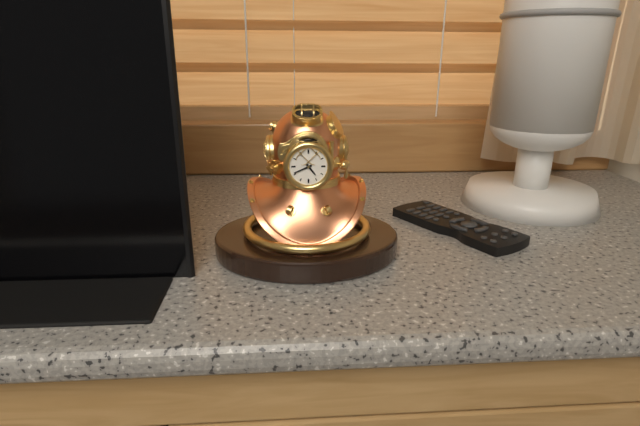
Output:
4:41
